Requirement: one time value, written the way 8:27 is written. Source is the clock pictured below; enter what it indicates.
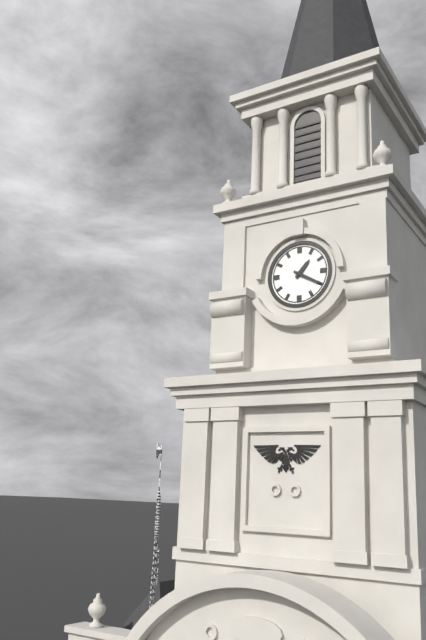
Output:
1:20
